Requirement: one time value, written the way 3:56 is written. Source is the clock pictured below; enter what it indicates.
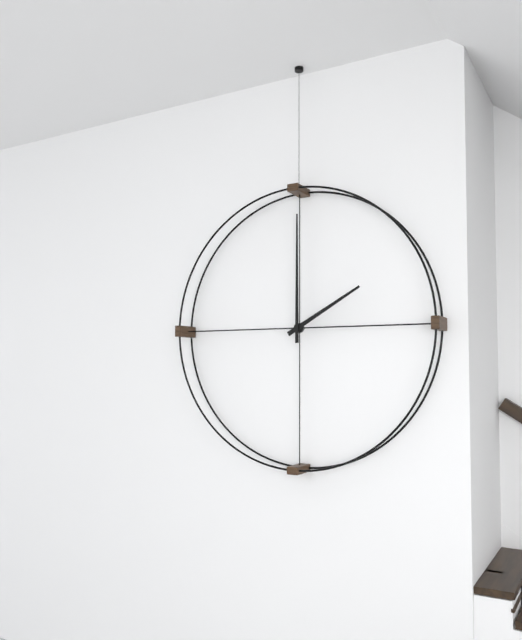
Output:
2:00
